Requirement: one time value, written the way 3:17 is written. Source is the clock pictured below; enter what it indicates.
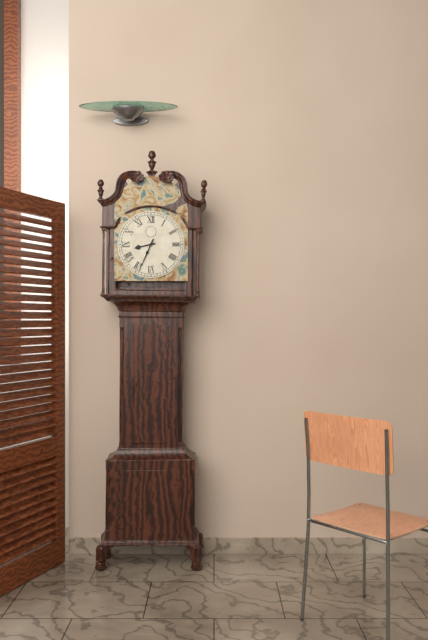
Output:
8:34
